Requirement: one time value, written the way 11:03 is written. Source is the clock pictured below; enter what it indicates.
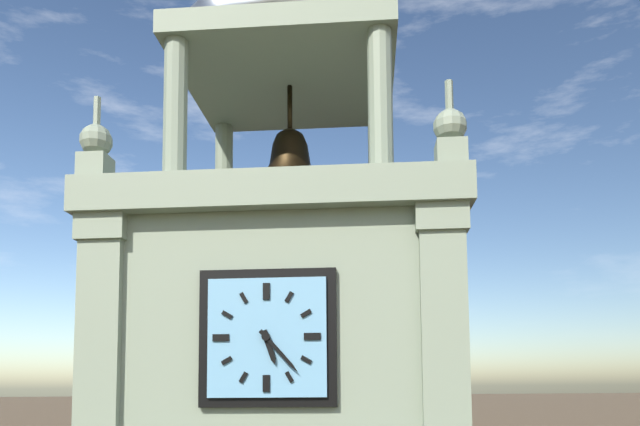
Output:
5:23
